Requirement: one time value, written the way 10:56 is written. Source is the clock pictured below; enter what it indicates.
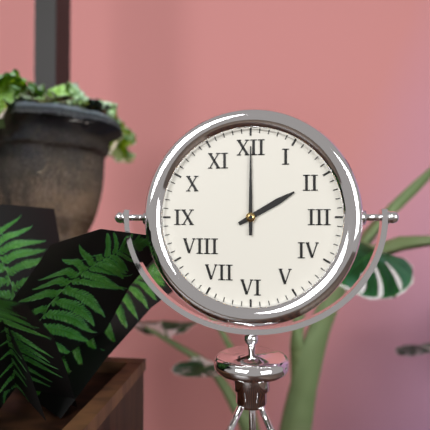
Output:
2:00
